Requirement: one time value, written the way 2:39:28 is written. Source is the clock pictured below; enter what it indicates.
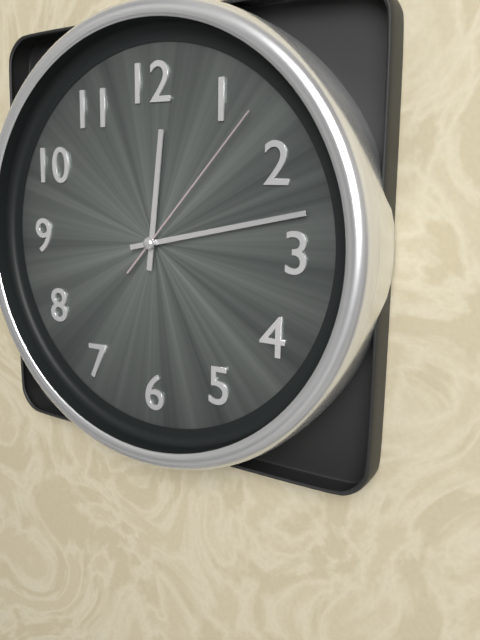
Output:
12:13:07
